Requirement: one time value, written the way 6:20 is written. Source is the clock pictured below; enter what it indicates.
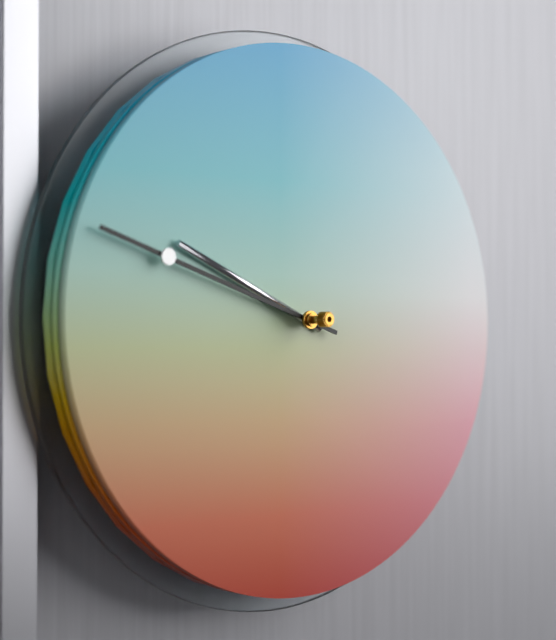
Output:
9:48
